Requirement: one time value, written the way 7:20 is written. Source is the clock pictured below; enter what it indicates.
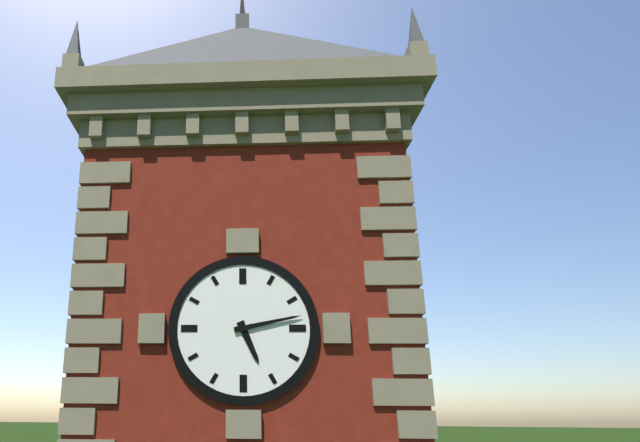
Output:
5:13
